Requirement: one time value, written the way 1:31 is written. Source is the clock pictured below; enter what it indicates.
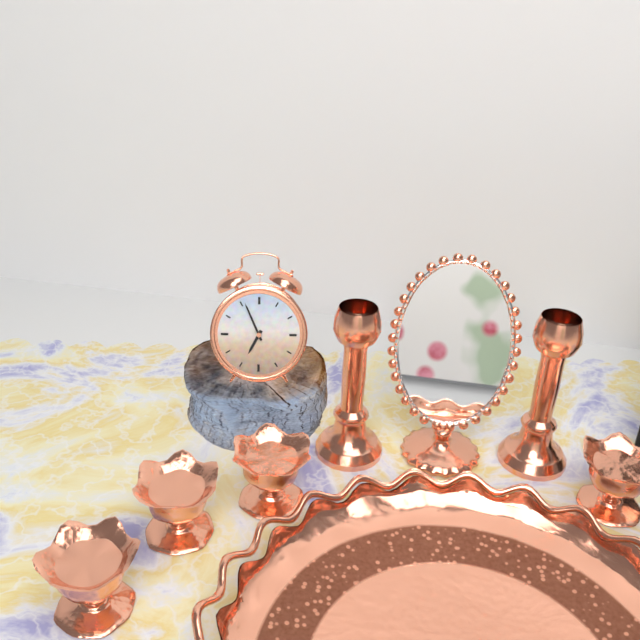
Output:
6:56
